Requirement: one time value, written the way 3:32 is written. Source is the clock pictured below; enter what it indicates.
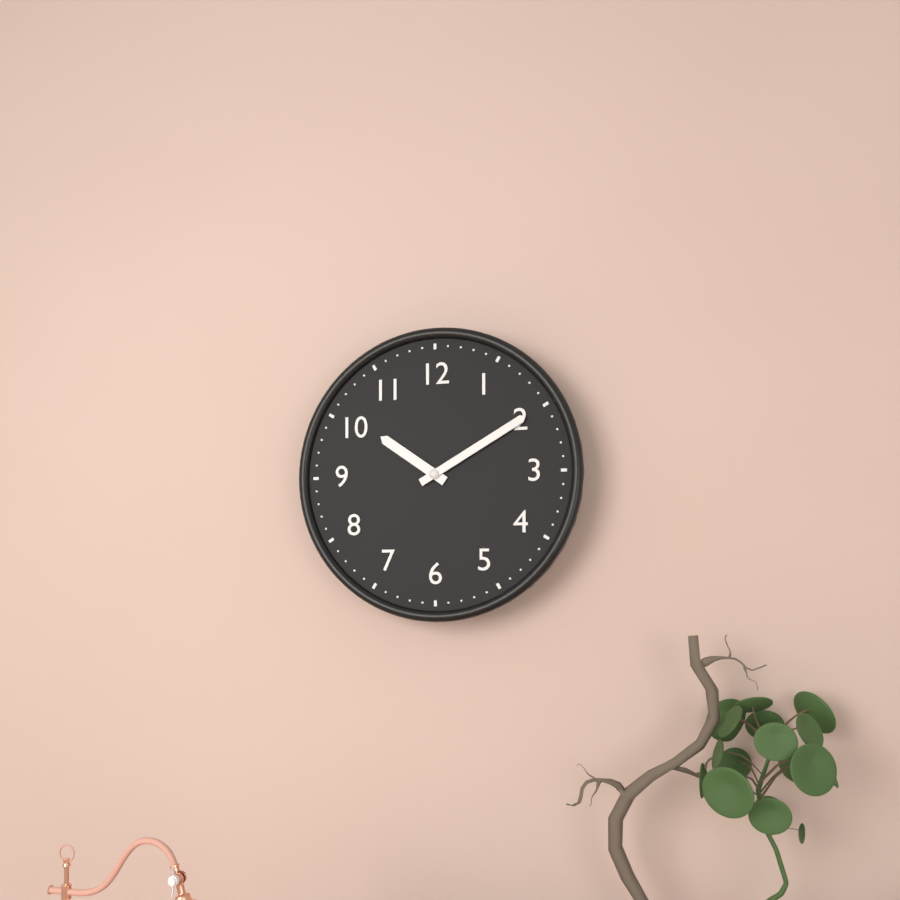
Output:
10:10
